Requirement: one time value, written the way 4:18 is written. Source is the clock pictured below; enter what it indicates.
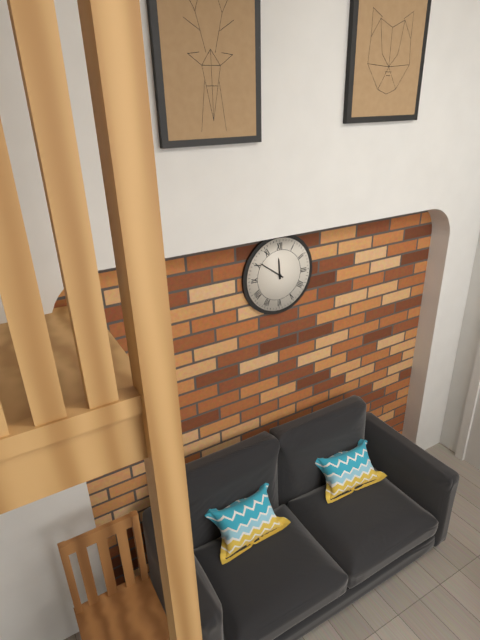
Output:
11:51
